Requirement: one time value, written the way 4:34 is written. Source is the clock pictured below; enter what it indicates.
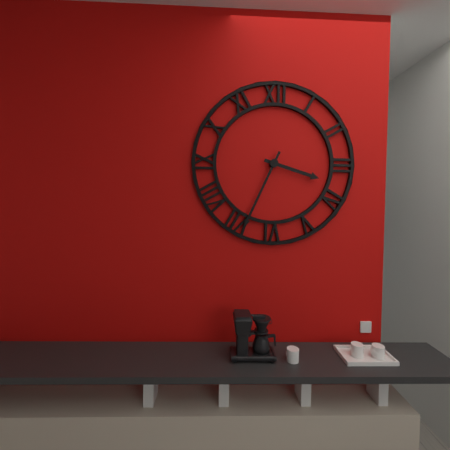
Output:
3:34
